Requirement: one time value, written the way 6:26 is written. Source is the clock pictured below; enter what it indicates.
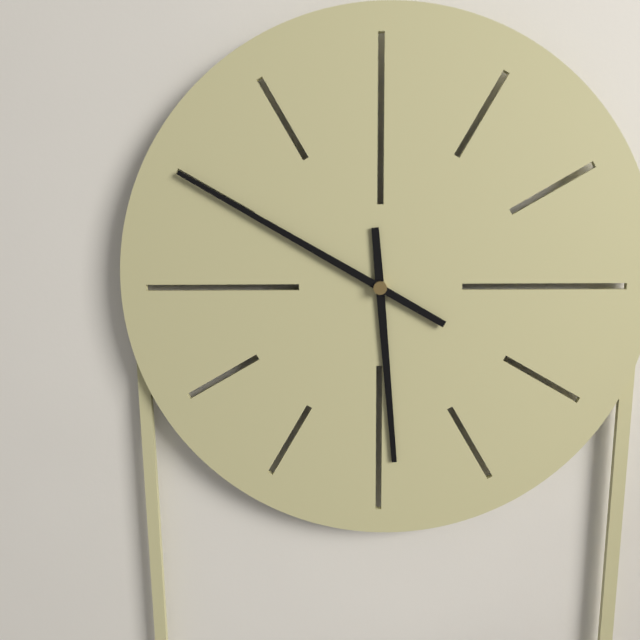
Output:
5:50
